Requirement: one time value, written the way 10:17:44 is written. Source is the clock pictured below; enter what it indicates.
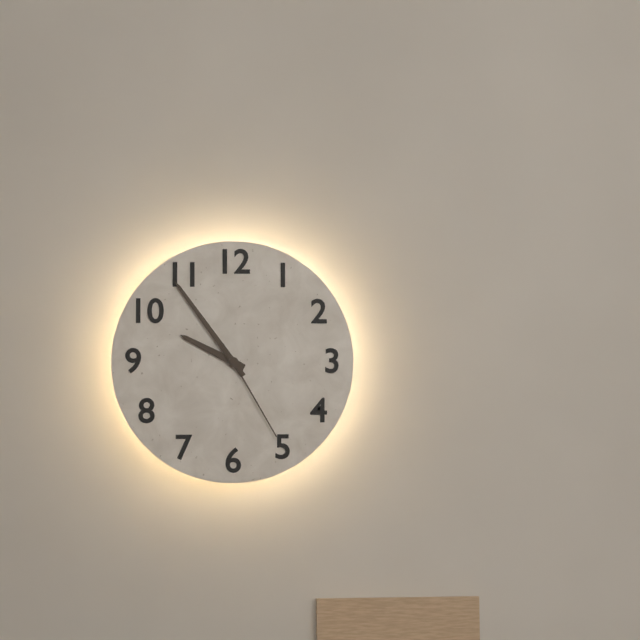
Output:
9:54:25
